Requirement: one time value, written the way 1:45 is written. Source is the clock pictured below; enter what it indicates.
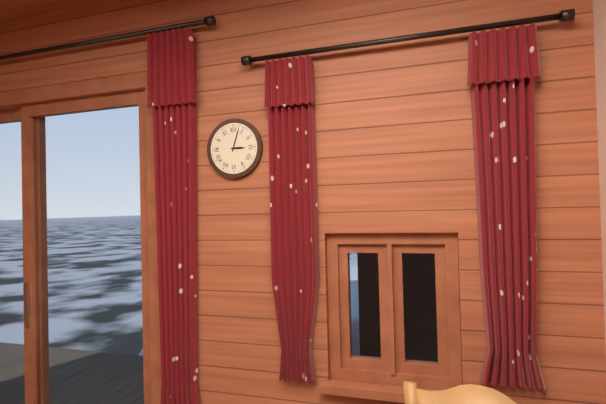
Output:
3:03
